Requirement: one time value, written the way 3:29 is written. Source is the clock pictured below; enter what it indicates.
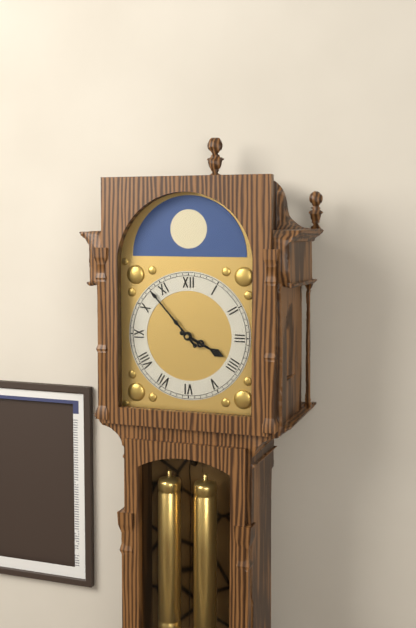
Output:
3:53
